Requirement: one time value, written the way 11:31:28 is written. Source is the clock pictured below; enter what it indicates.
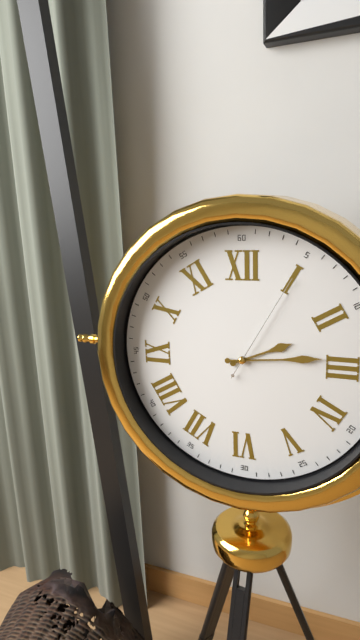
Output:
2:14:05
